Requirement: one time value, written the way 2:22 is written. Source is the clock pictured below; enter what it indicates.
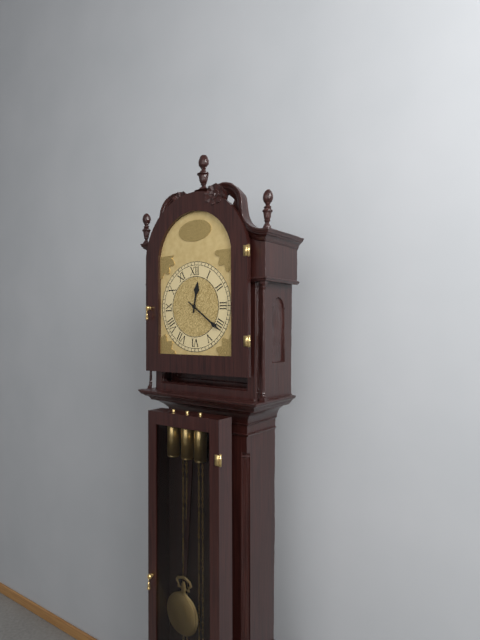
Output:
12:21
